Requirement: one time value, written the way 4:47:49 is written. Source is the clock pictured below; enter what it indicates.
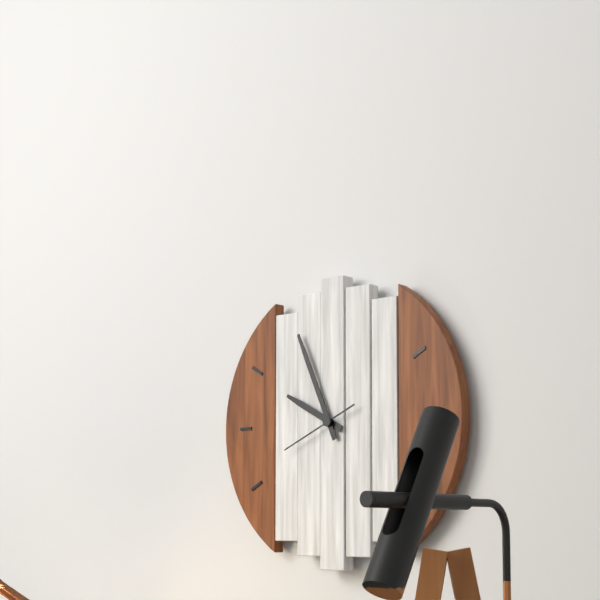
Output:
9:56:41
